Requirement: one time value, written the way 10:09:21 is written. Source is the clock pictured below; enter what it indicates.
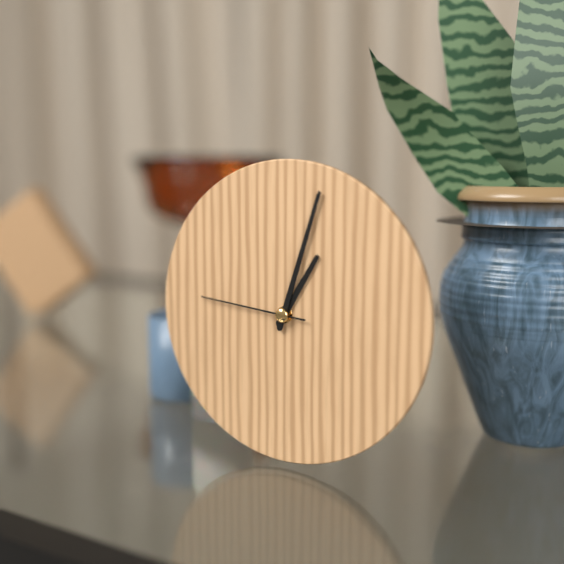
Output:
1:03:46
